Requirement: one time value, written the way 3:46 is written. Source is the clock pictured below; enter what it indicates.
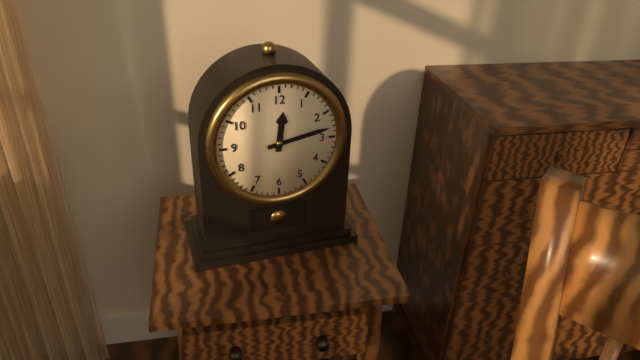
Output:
12:13
